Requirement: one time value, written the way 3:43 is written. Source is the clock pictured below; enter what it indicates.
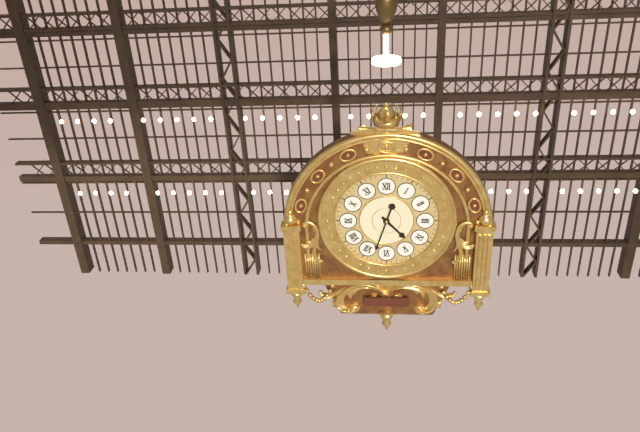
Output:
4:33
